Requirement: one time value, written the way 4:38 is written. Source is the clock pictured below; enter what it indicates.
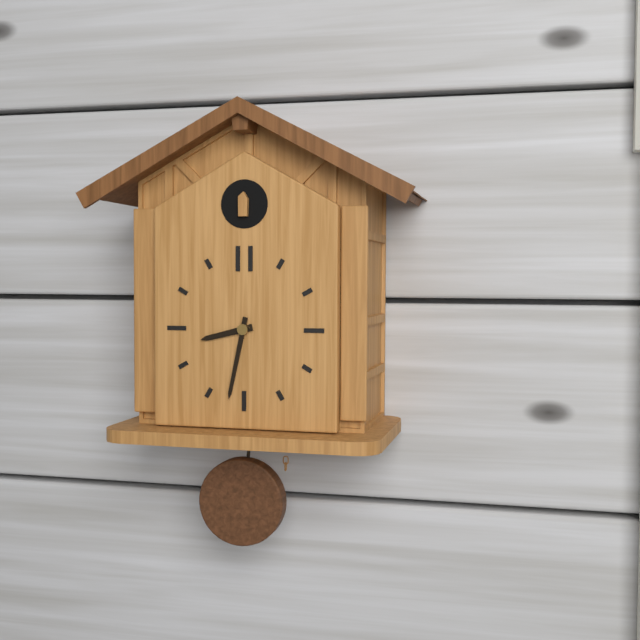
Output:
8:32
